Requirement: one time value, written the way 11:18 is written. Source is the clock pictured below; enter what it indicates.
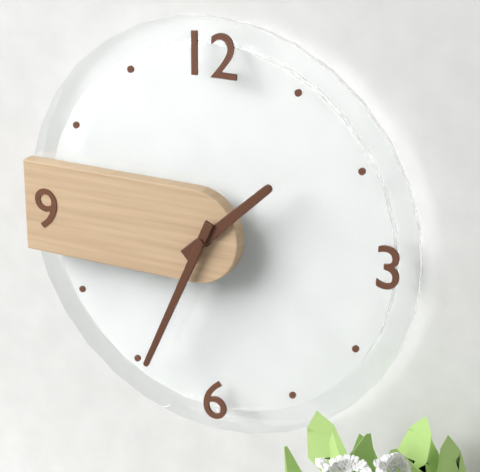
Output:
1:34
